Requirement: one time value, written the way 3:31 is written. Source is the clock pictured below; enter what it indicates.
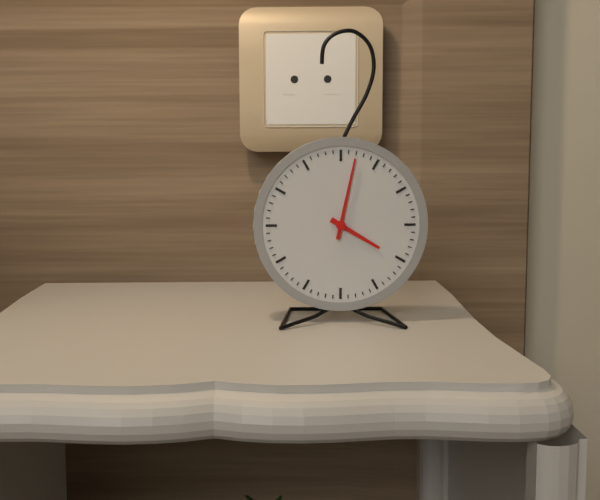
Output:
4:02
